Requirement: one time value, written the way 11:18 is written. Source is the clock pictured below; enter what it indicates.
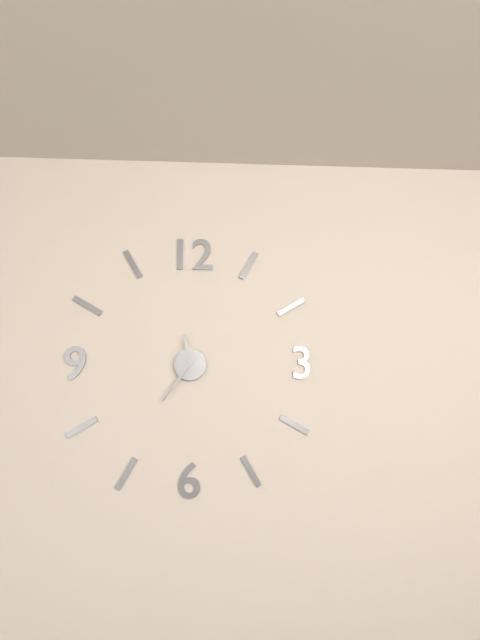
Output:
11:36
